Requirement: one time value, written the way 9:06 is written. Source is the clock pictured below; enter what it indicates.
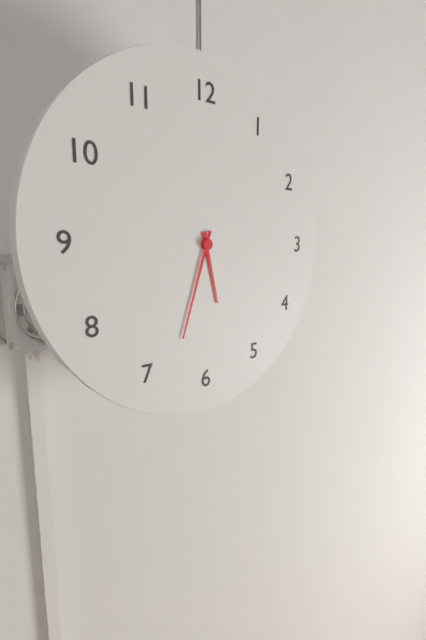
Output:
5:33
